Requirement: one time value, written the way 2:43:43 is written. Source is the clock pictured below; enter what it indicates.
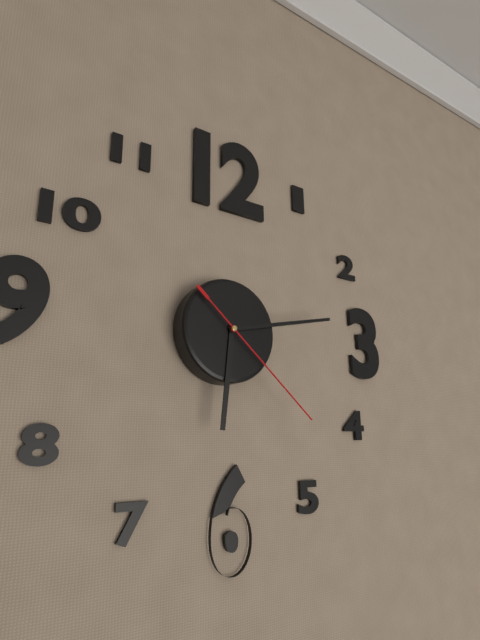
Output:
6:13:22
